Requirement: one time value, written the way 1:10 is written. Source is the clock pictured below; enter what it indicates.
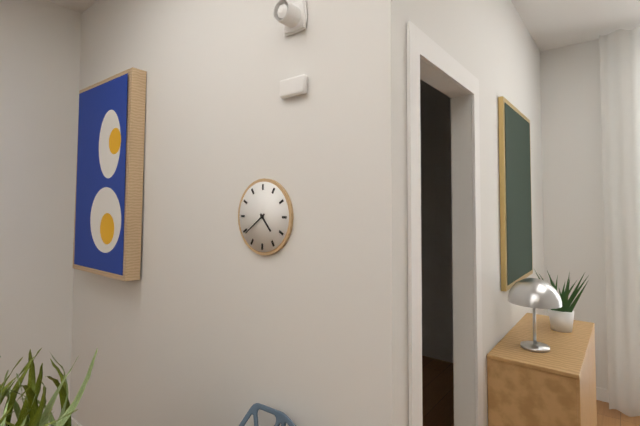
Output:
4:39
